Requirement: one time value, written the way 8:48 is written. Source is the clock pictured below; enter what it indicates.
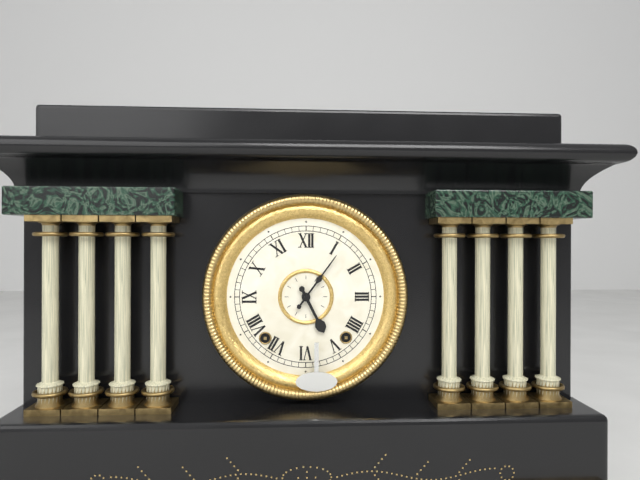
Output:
5:06
